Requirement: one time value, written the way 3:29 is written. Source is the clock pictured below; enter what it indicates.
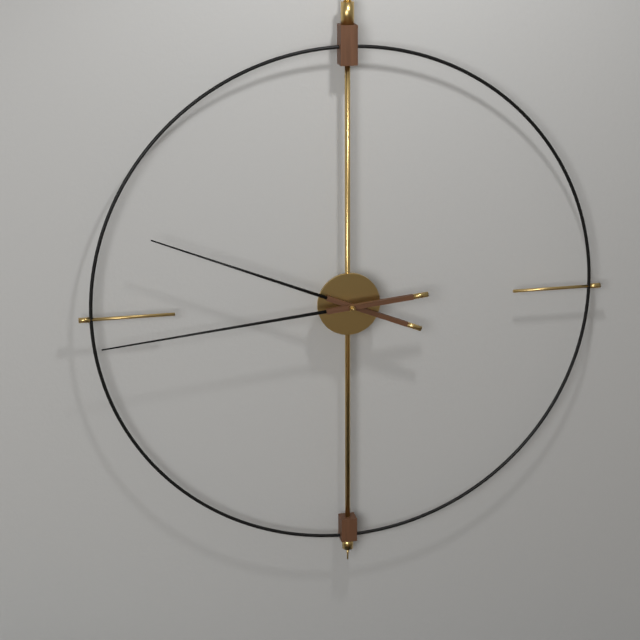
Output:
9:44
